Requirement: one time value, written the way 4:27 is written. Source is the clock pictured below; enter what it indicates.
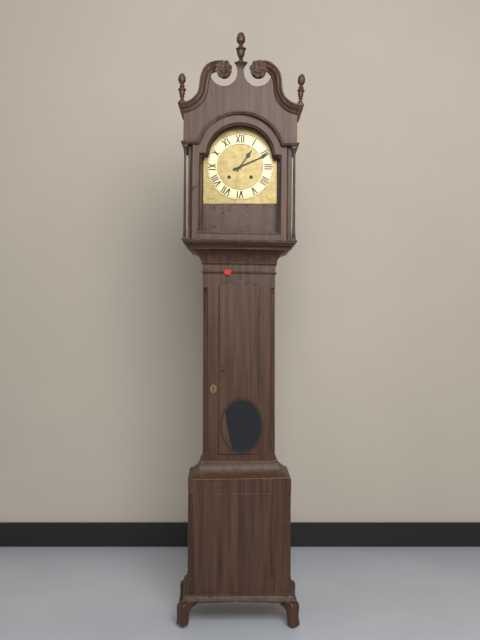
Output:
1:11
